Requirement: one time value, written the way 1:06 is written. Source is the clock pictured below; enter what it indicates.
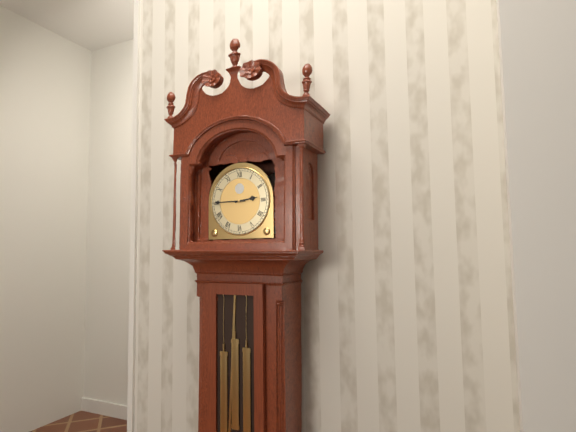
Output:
2:45
